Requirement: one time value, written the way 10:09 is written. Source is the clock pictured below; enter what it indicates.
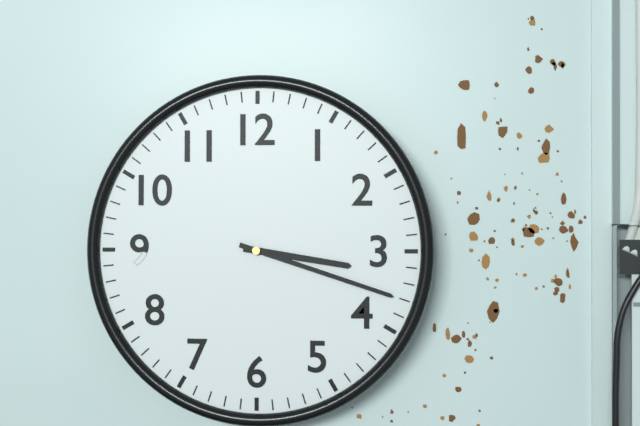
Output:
3:18
